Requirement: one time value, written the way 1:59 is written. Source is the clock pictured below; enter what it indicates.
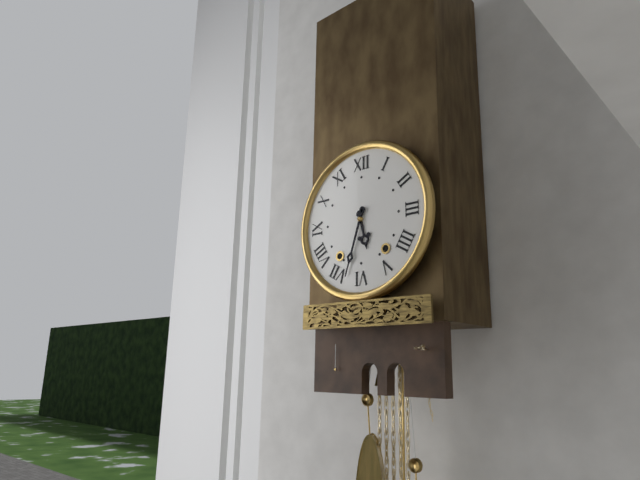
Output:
5:33
